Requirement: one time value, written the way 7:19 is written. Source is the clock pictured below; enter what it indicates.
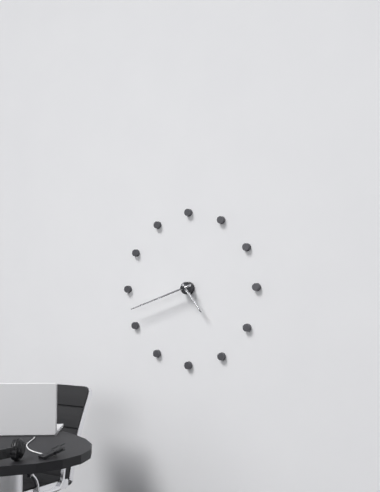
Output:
4:42
